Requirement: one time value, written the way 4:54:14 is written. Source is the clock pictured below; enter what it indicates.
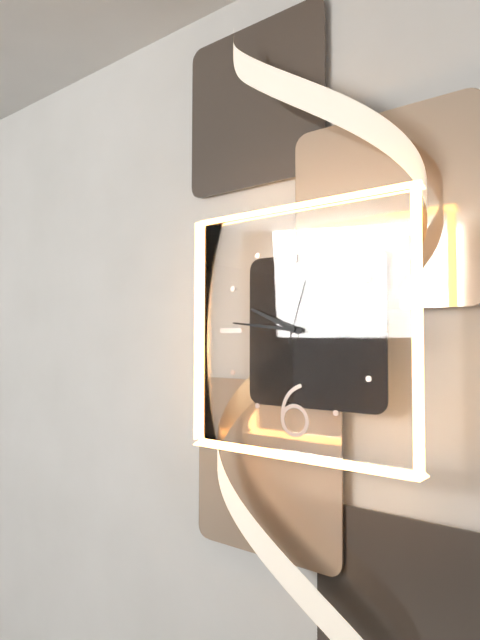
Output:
9:46:03
